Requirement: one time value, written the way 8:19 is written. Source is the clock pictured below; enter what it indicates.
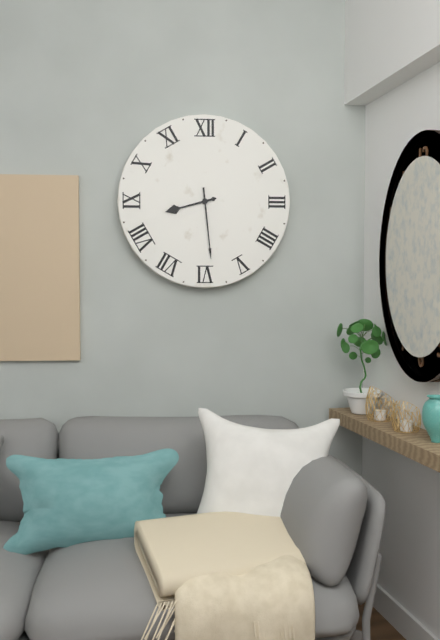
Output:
8:29
